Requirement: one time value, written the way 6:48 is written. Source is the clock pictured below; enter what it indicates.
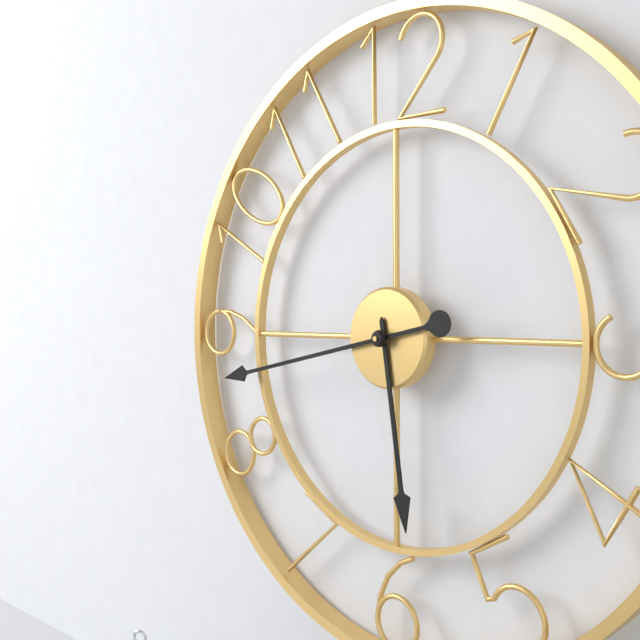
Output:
5:43
